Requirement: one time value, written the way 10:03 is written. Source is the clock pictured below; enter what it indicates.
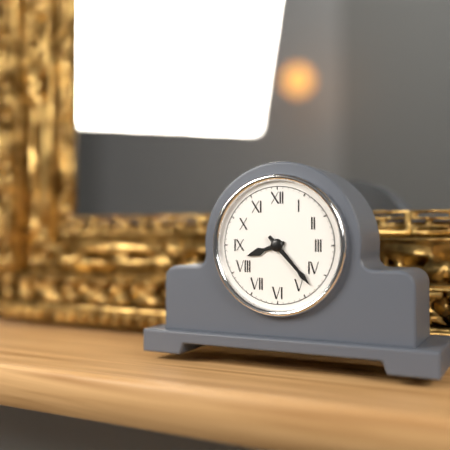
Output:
8:23
